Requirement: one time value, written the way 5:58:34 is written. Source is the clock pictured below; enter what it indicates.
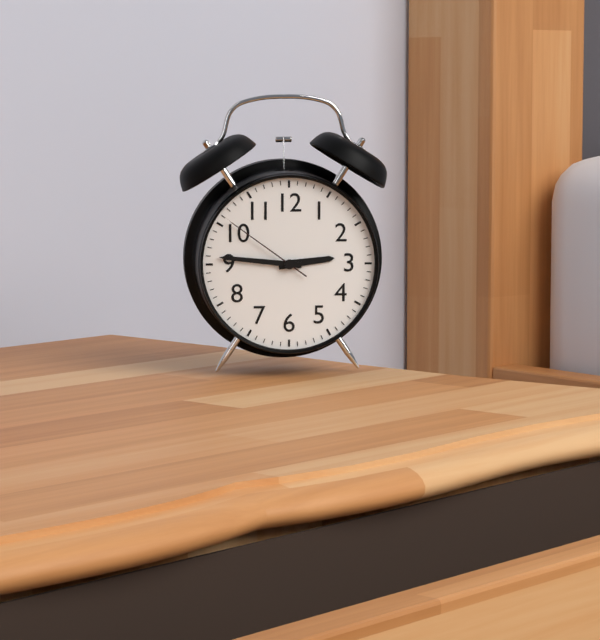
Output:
2:46:51
